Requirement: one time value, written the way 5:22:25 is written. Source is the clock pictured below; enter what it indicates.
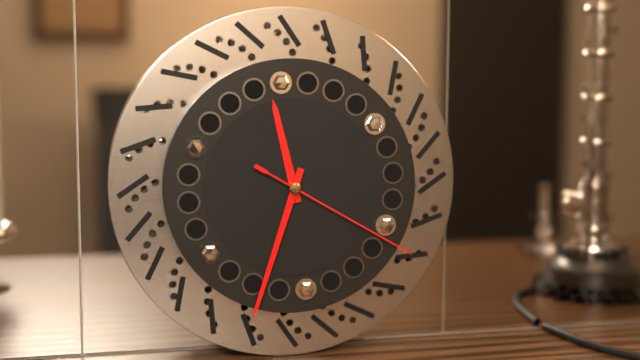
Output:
11:33:20
